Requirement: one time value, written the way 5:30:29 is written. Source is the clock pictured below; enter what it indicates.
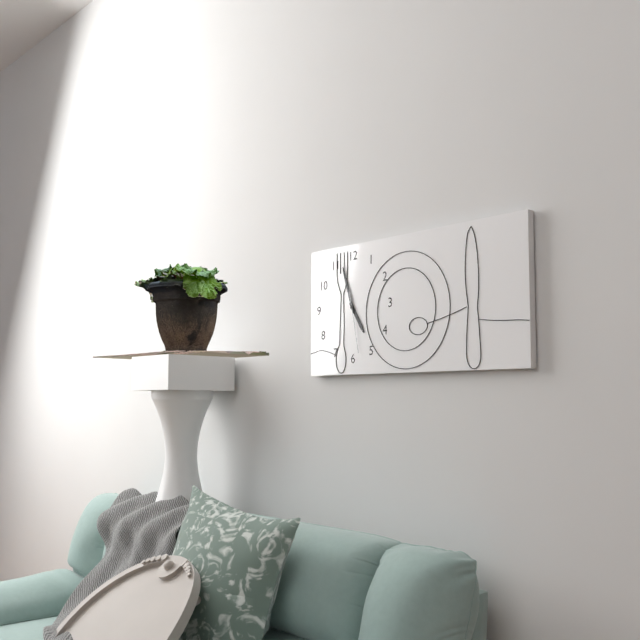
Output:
4:57:28
